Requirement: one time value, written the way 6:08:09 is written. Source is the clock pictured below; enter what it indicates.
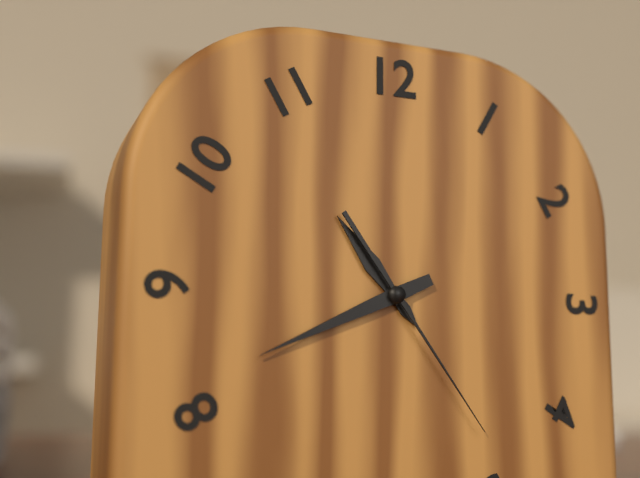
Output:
10:41:24
